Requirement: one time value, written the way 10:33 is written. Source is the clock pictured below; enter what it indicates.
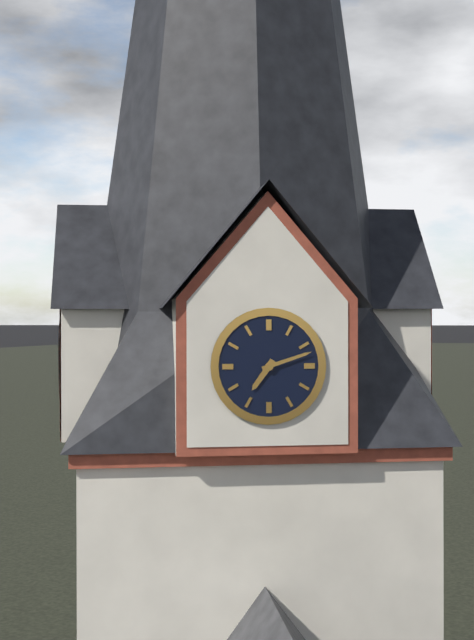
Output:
7:12
